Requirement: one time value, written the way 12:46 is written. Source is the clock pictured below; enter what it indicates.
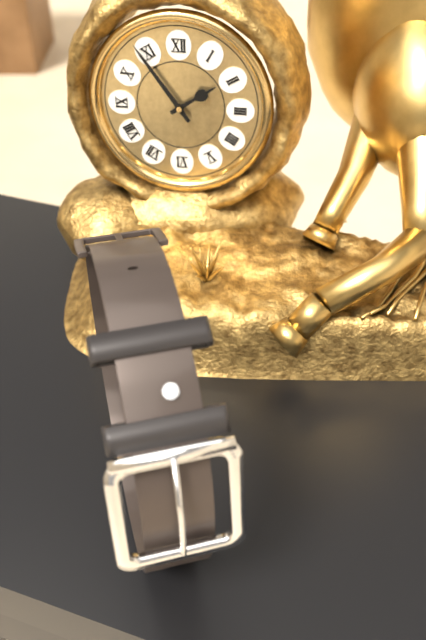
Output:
1:54
